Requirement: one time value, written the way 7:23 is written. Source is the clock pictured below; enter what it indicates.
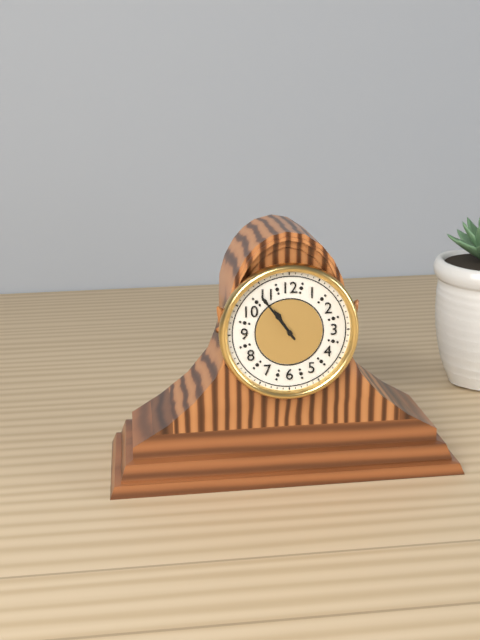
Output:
10:54
